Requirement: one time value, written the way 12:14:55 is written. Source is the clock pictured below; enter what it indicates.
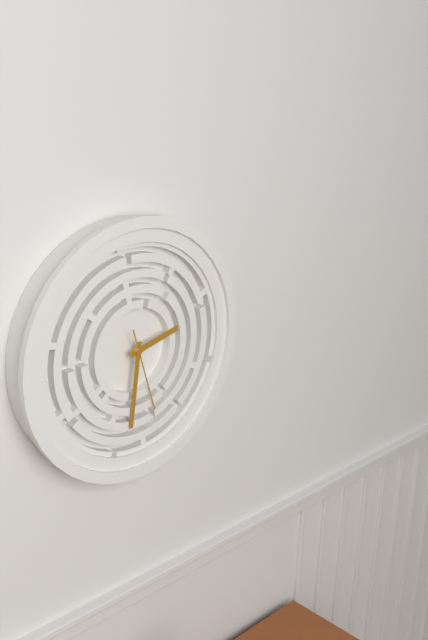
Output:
2:31:27
